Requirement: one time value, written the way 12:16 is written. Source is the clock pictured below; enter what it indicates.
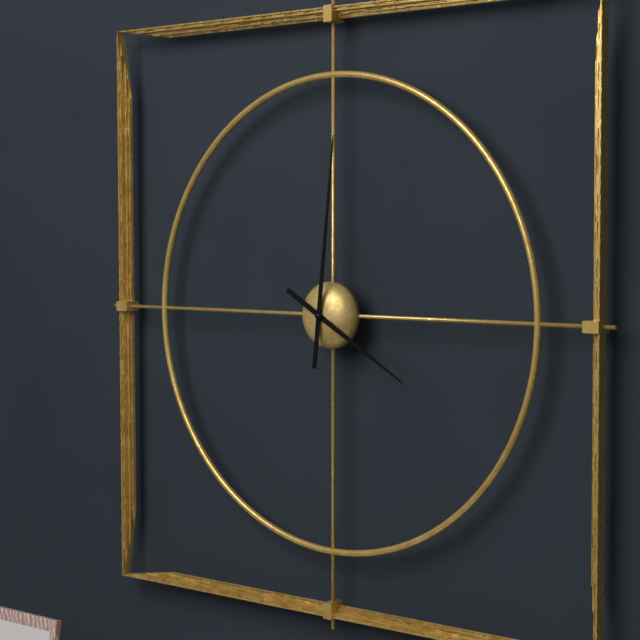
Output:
4:01
